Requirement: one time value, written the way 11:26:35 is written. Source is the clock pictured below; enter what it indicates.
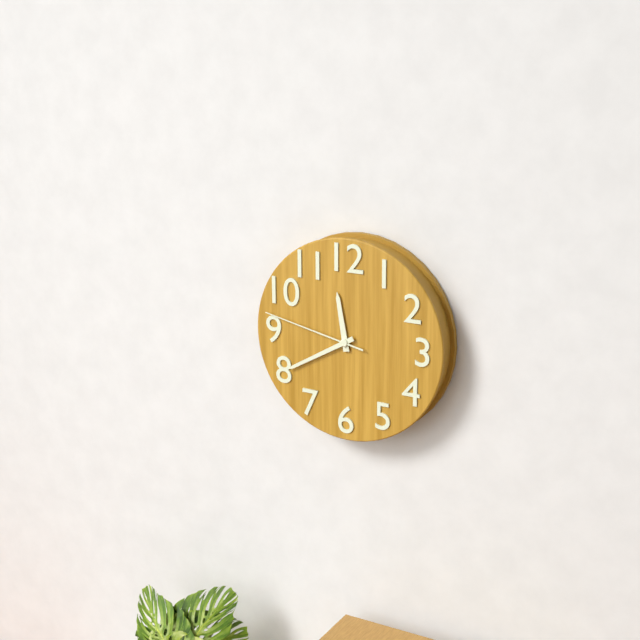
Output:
11:40:47
